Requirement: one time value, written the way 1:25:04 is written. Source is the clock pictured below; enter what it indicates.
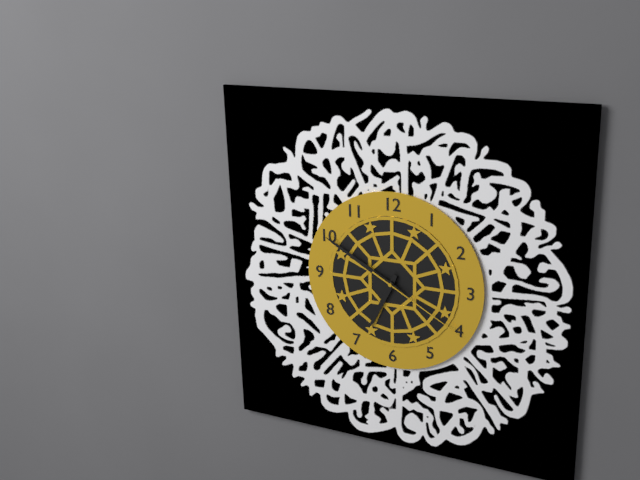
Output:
6:50:20
